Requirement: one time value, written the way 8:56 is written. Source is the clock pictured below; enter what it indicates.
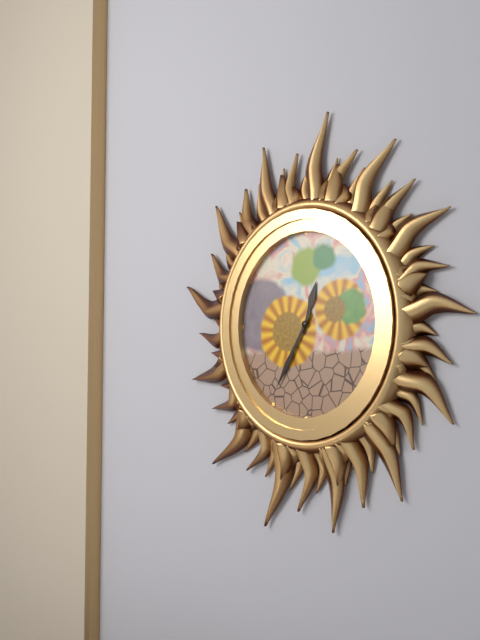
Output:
12:35
